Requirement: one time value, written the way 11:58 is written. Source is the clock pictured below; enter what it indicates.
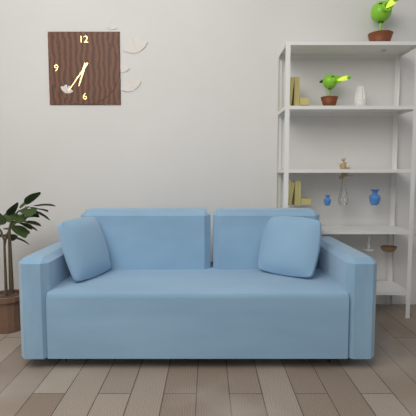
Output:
6:36
